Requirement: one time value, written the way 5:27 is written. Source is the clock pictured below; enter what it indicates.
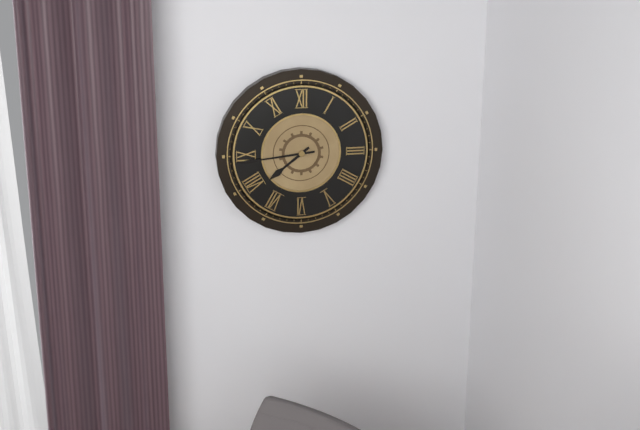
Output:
7:44
